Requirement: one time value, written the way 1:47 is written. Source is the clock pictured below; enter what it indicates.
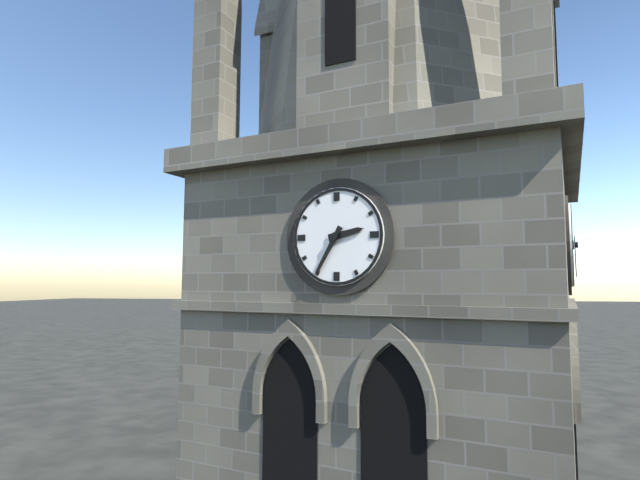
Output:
2:35
